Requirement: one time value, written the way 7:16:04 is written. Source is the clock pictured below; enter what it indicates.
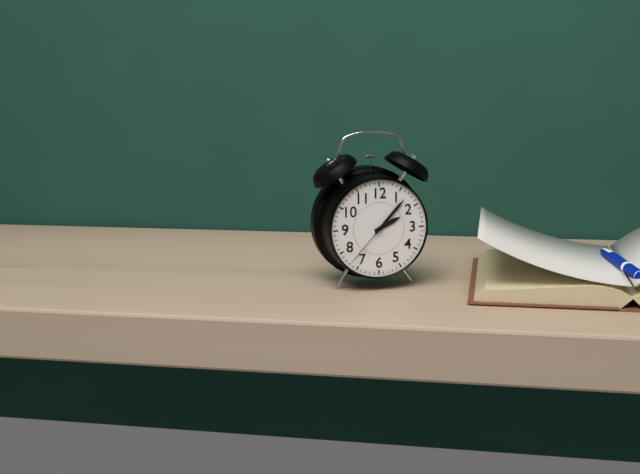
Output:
2:07:37
